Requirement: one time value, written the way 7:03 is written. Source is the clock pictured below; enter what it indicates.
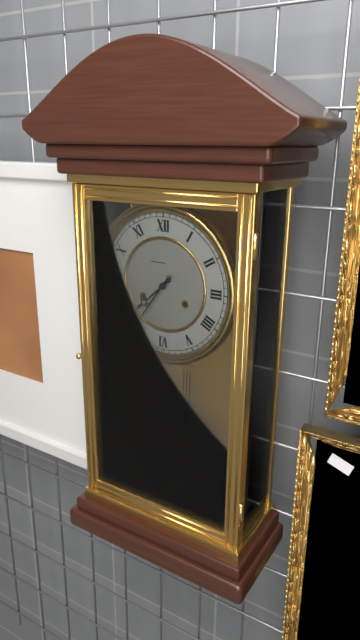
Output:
7:36
